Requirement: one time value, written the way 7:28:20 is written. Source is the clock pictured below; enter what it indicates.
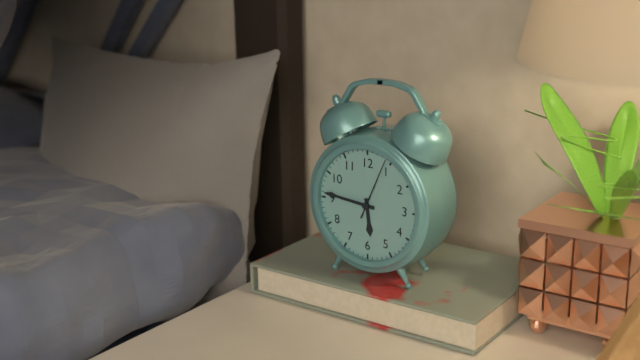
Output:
5:46:04
